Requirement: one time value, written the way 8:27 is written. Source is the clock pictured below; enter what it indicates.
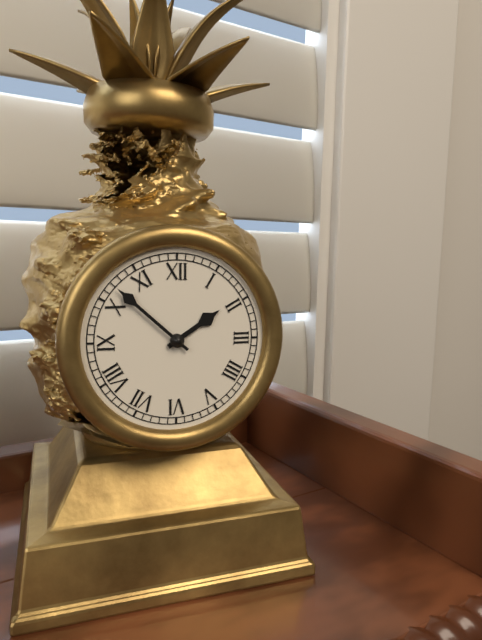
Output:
1:52
